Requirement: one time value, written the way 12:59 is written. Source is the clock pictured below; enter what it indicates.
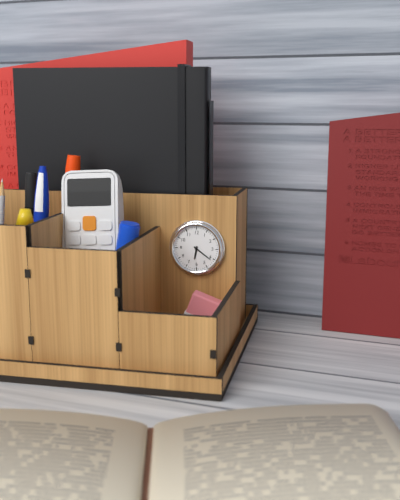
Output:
6:21
